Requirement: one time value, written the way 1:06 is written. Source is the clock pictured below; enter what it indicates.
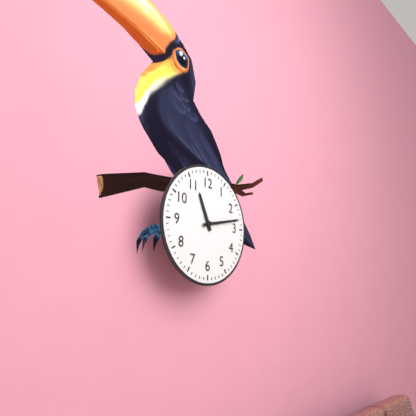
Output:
11:13
